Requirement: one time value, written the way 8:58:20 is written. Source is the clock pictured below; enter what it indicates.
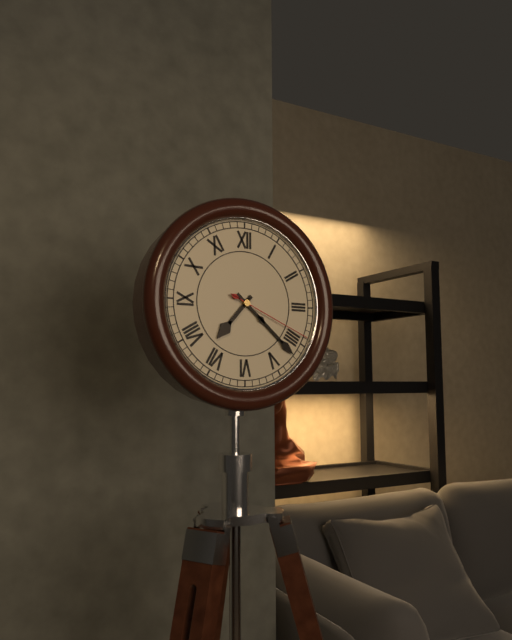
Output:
7:22:19
